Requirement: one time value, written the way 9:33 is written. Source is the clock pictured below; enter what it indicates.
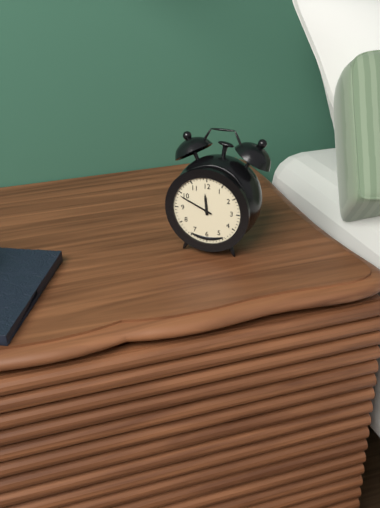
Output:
11:49
